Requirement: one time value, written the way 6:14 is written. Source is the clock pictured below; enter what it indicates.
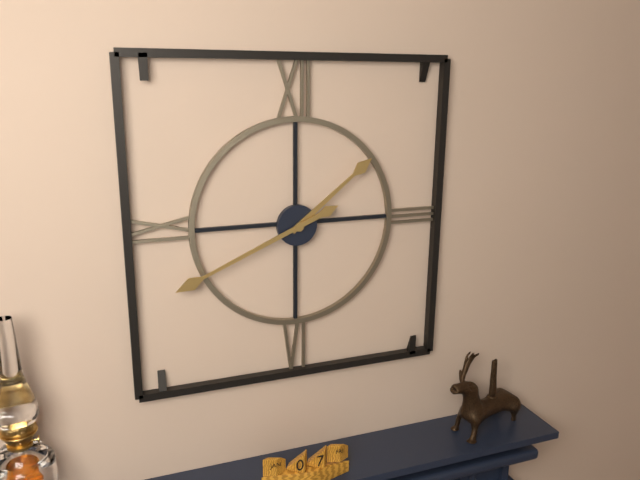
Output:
1:41
